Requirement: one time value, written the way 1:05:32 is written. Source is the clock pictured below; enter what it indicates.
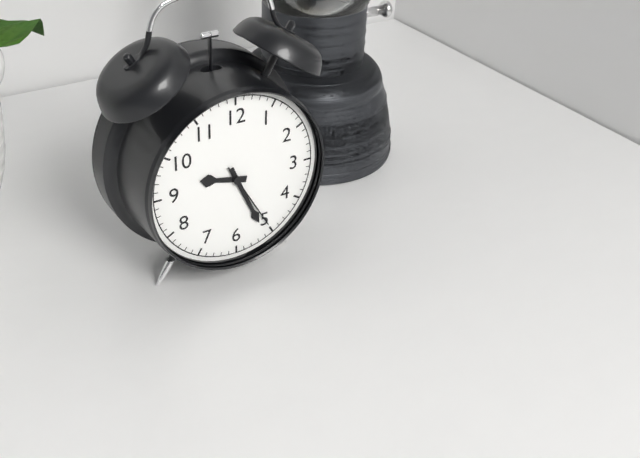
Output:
9:26:25
